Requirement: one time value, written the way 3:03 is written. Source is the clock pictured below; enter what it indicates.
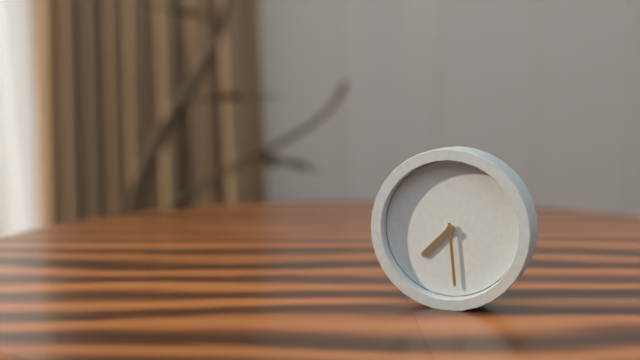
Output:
7:29
